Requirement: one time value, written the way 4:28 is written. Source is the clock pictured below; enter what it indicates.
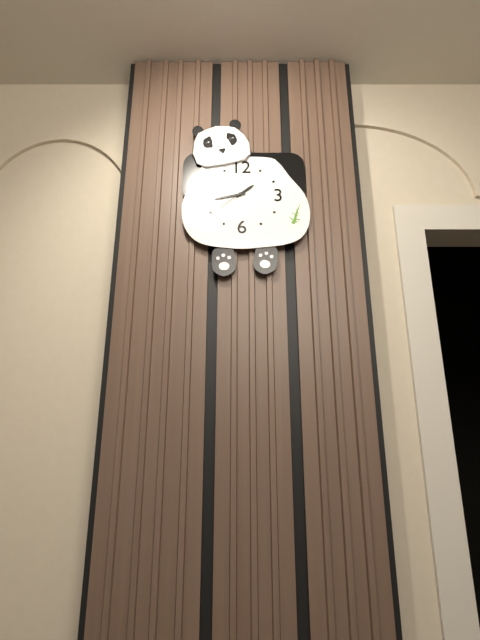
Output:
1:43
